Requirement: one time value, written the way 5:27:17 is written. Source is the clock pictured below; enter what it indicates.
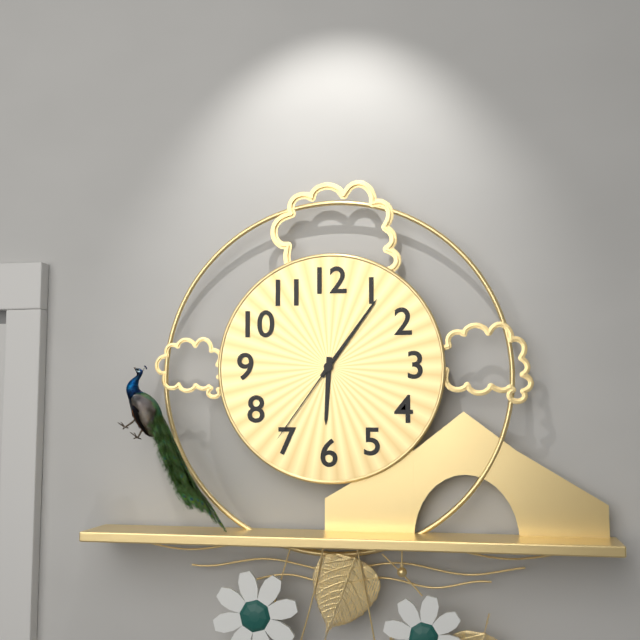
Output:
6:06:36
